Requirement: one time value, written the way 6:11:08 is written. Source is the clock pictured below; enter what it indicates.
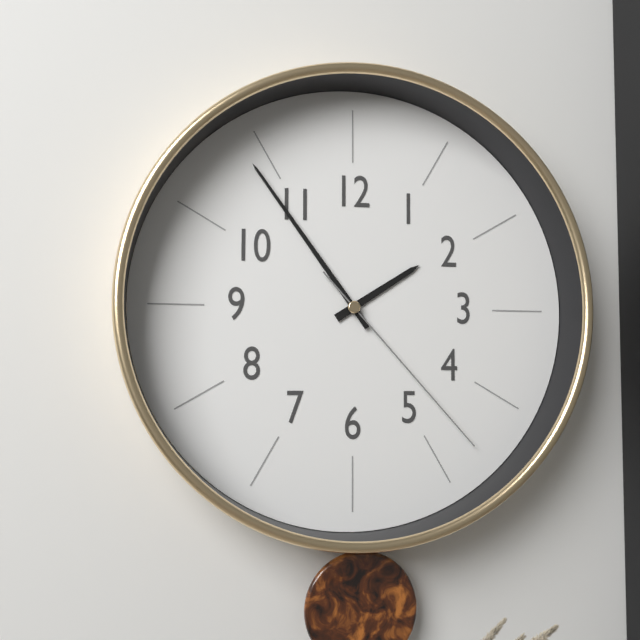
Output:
1:54:23
